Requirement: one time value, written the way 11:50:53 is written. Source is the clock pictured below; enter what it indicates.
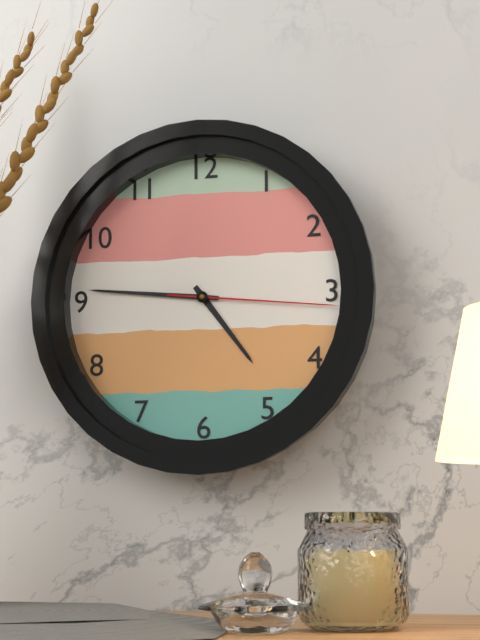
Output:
4:46:16
